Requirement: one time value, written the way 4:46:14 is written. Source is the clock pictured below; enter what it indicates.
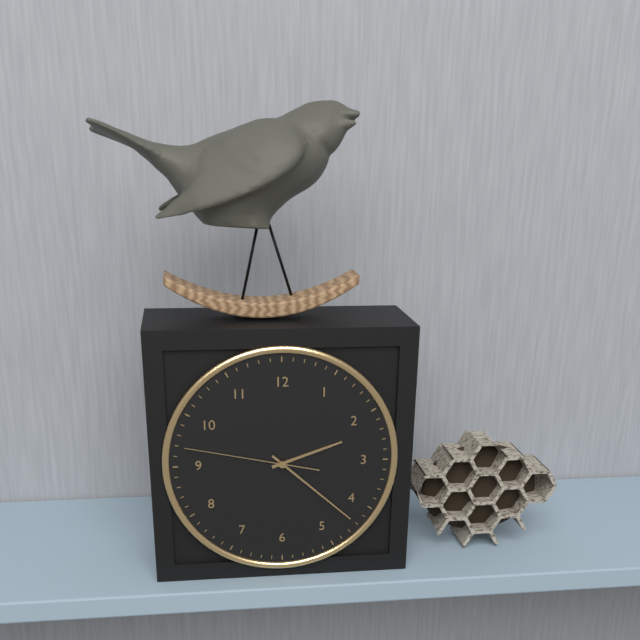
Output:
2:22:47
